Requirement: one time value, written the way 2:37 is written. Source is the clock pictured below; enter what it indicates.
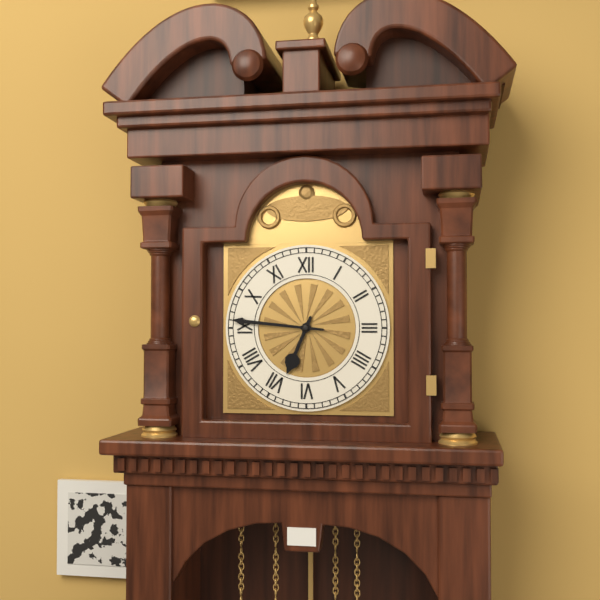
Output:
6:46
